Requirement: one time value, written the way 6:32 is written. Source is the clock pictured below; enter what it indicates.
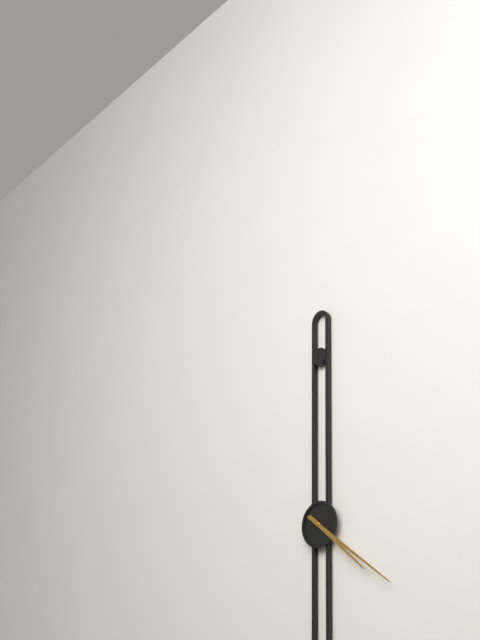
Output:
4:21
